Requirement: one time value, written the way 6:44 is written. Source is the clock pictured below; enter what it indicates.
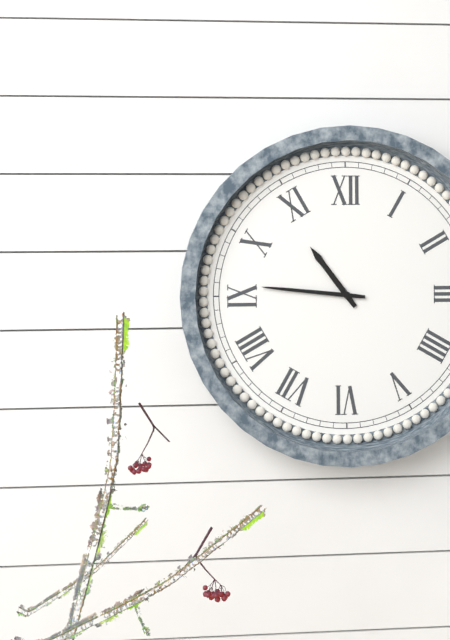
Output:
10:46
